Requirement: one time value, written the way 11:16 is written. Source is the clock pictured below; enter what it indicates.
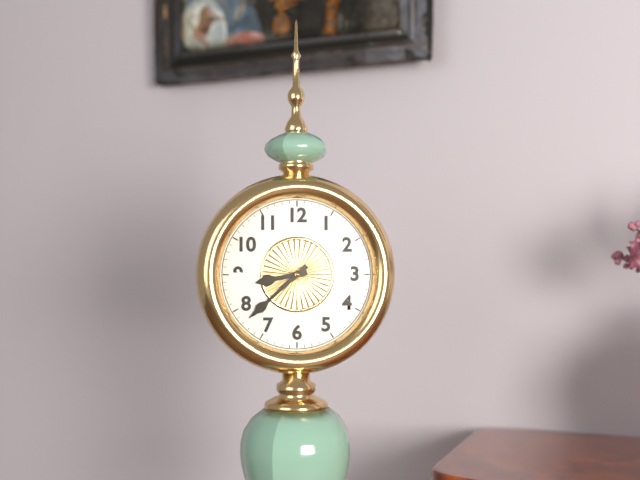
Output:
8:38
